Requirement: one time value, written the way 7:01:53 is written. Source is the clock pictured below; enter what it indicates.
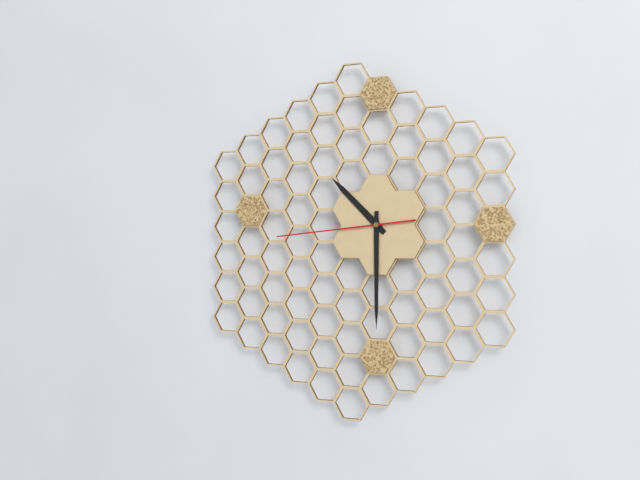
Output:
10:30:44
